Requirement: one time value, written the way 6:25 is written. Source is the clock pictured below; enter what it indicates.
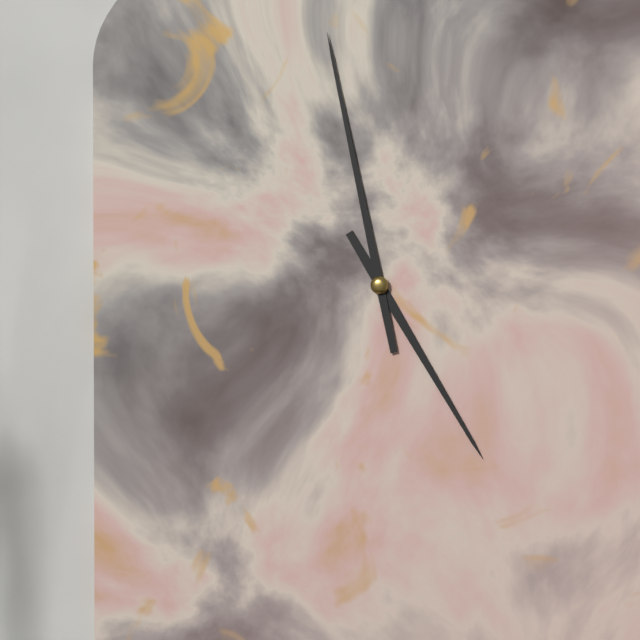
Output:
4:58
